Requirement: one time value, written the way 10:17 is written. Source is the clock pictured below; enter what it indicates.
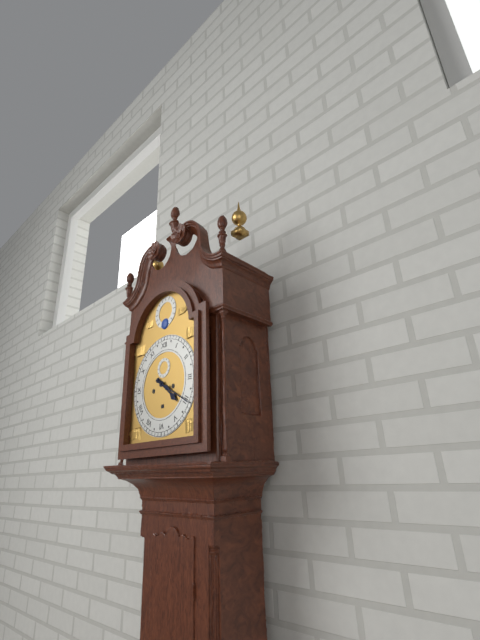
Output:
4:20
